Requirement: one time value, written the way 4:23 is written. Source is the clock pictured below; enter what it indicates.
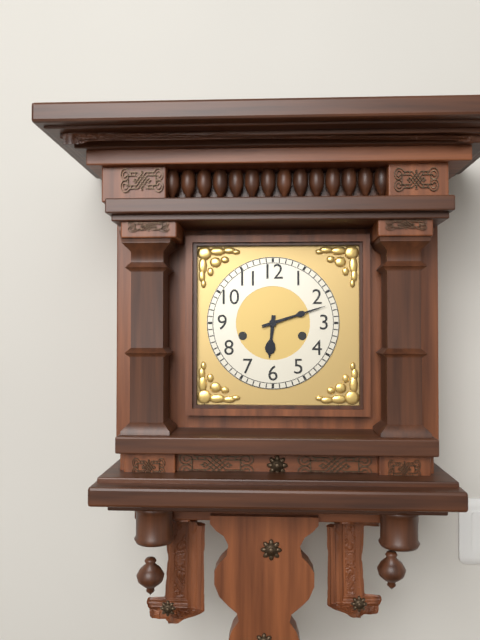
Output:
6:12
